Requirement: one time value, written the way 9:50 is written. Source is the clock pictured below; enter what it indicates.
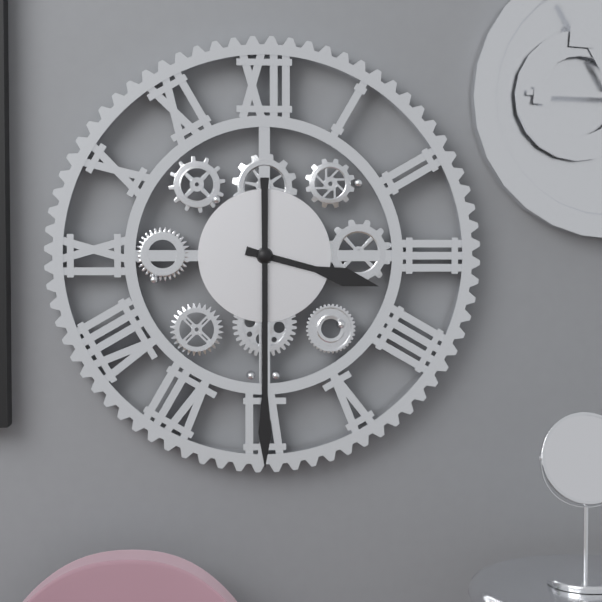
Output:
3:30
